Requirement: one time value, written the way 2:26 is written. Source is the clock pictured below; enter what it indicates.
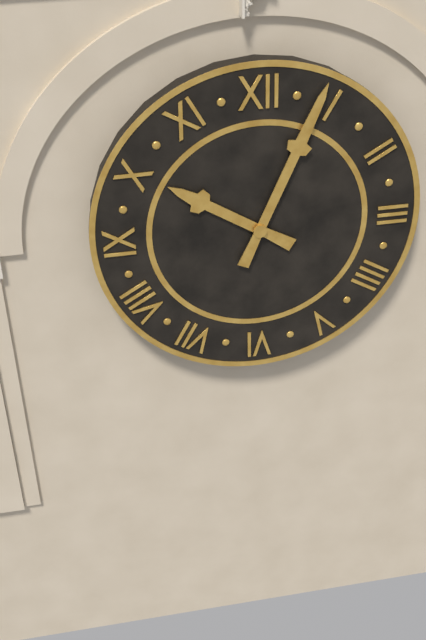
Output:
10:04
